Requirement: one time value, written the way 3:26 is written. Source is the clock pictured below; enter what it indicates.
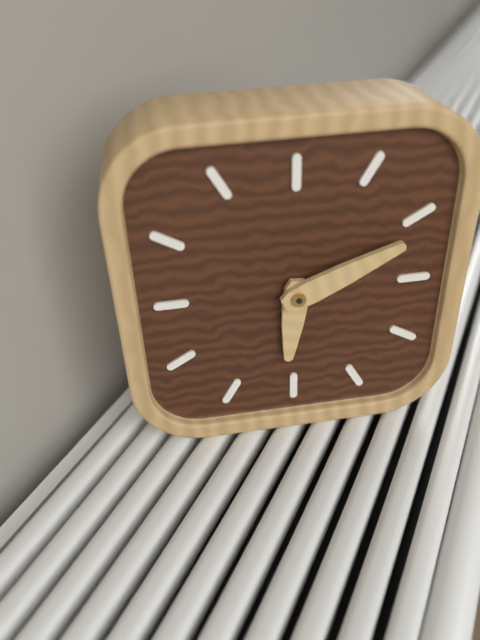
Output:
6:11
